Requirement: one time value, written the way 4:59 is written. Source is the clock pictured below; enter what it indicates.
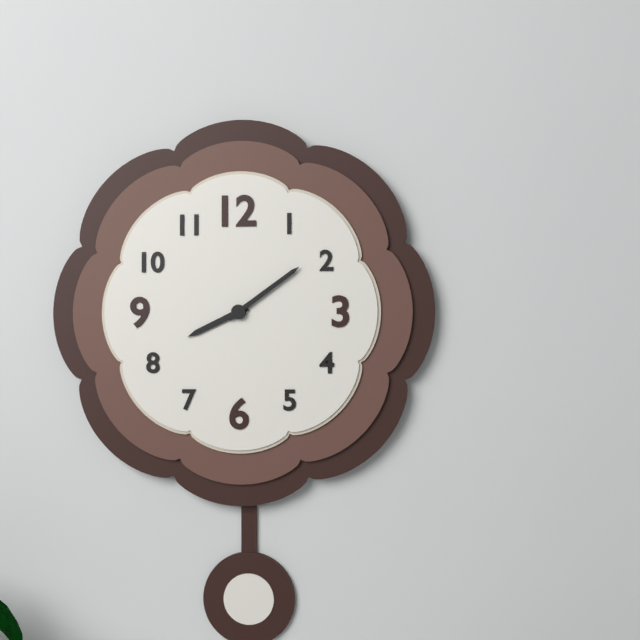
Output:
8:09
